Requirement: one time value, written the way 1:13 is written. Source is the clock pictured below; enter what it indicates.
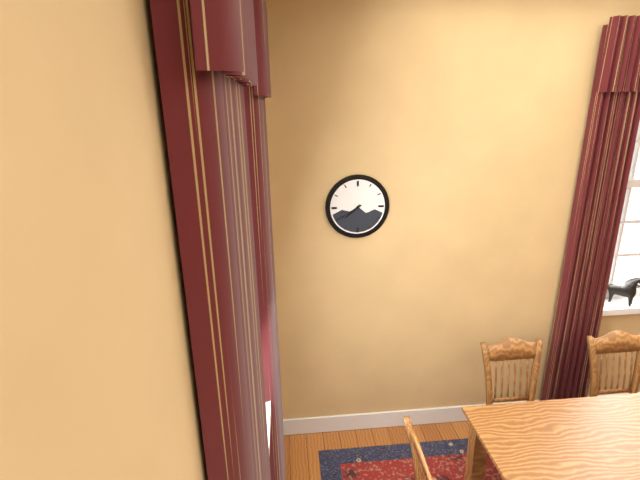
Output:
7:40
